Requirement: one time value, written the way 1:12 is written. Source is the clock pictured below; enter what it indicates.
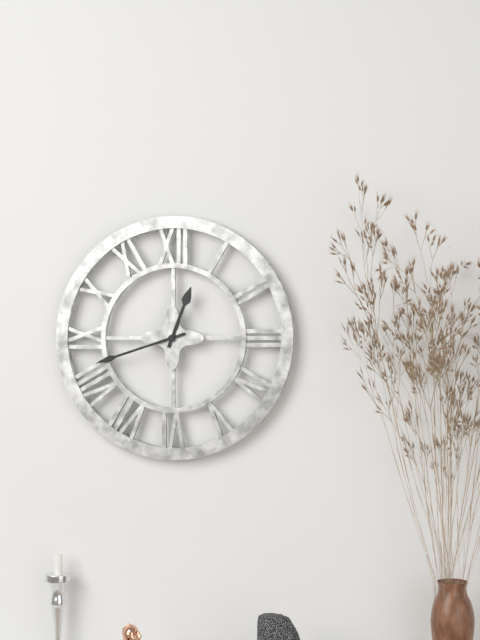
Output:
12:42
